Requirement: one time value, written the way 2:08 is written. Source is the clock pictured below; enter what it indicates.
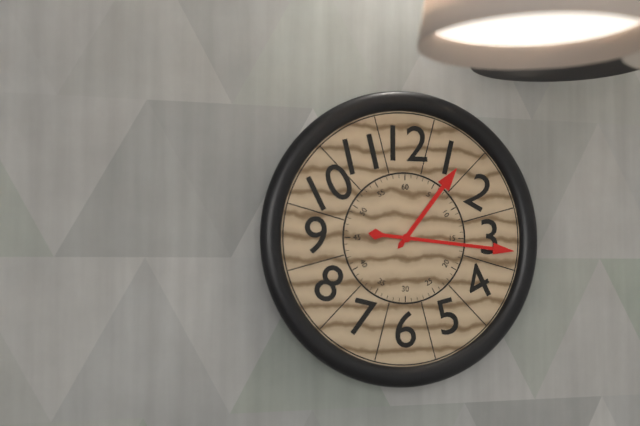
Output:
1:16
